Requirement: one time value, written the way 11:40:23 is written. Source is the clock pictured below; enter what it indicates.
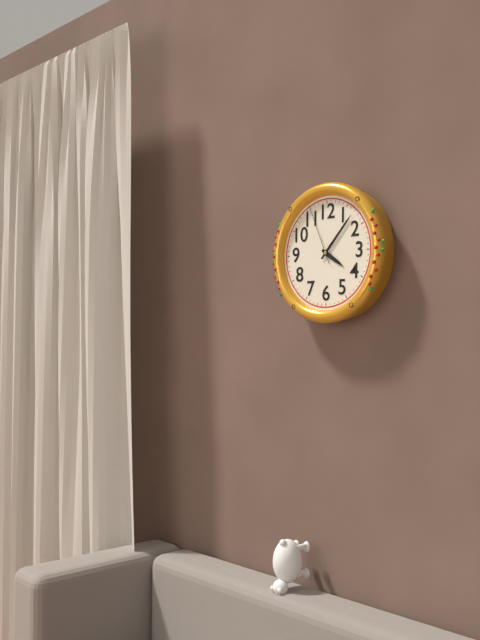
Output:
4:07:56
